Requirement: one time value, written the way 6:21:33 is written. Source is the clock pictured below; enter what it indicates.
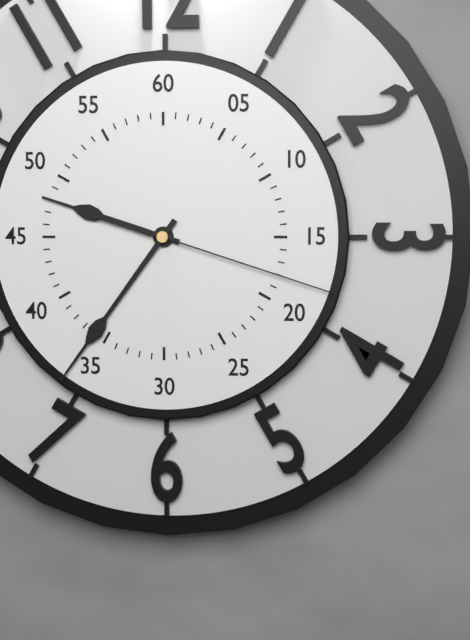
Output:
9:36:18
